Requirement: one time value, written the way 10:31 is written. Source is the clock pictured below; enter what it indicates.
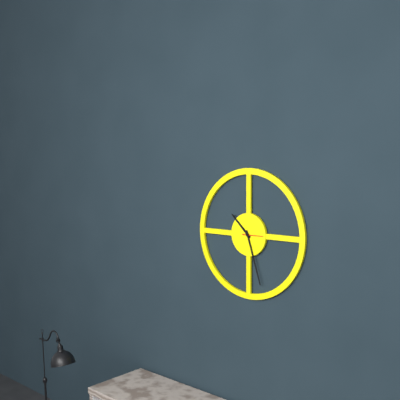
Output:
10:27
